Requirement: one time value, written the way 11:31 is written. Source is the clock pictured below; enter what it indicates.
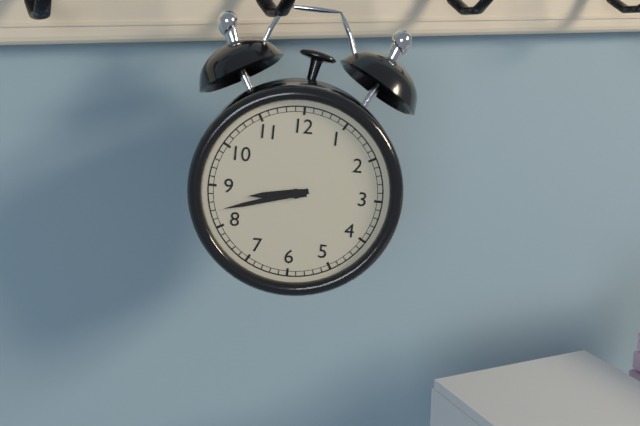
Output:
8:42
